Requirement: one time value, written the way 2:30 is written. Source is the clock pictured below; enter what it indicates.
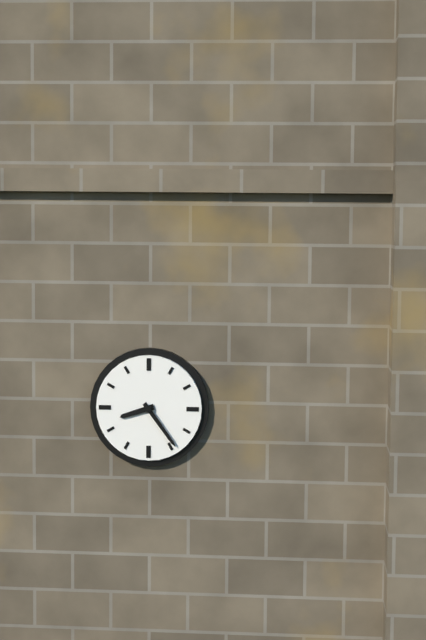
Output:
8:24
